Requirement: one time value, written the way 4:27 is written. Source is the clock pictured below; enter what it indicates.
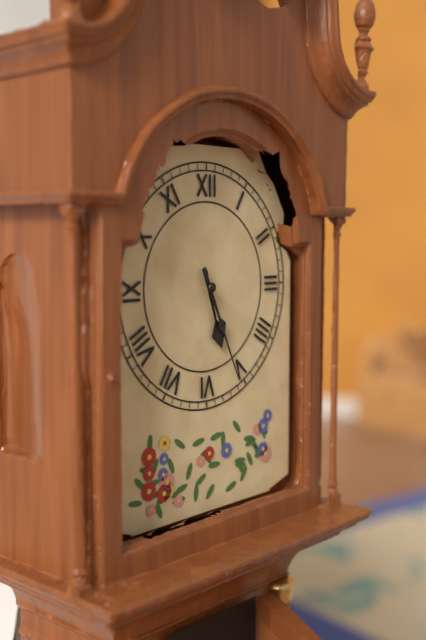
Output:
5:26
